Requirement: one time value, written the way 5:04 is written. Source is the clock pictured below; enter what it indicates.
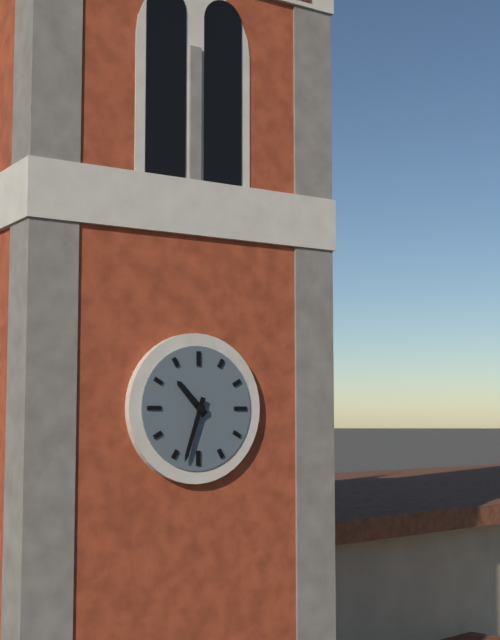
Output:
10:33
